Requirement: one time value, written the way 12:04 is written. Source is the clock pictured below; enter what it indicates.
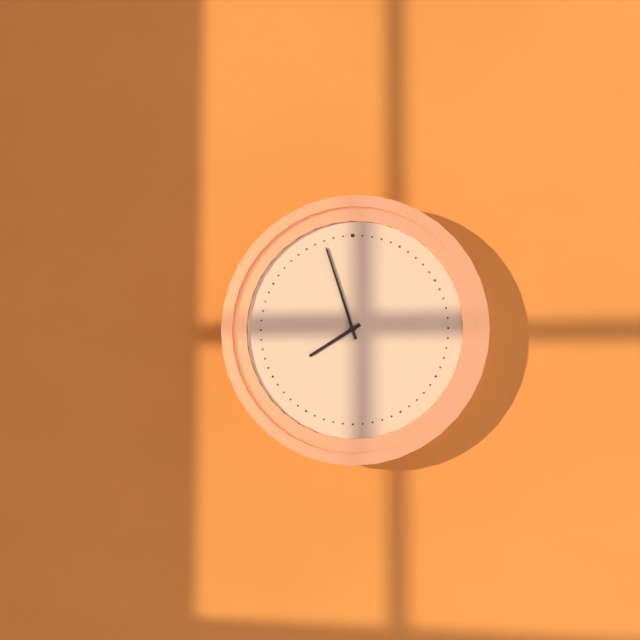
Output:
7:57
